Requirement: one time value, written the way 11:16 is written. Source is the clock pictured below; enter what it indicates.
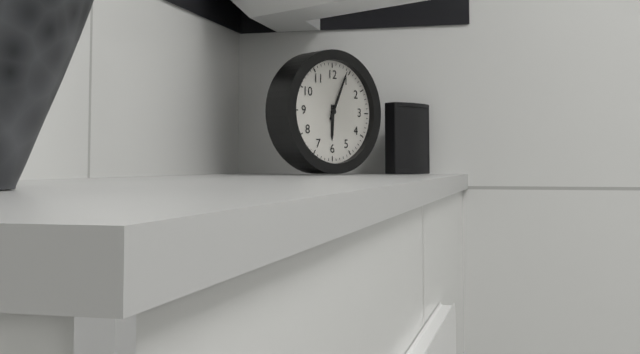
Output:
6:04
